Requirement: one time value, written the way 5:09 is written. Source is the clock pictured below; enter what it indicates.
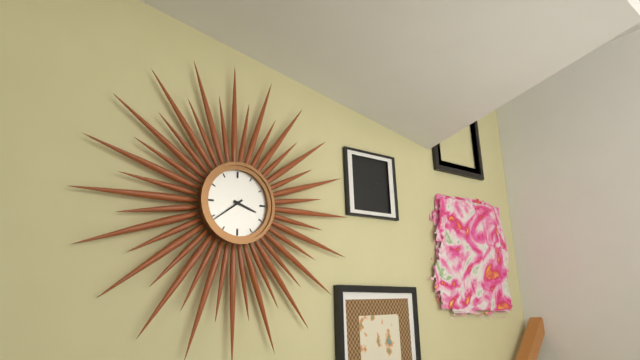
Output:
3:39
